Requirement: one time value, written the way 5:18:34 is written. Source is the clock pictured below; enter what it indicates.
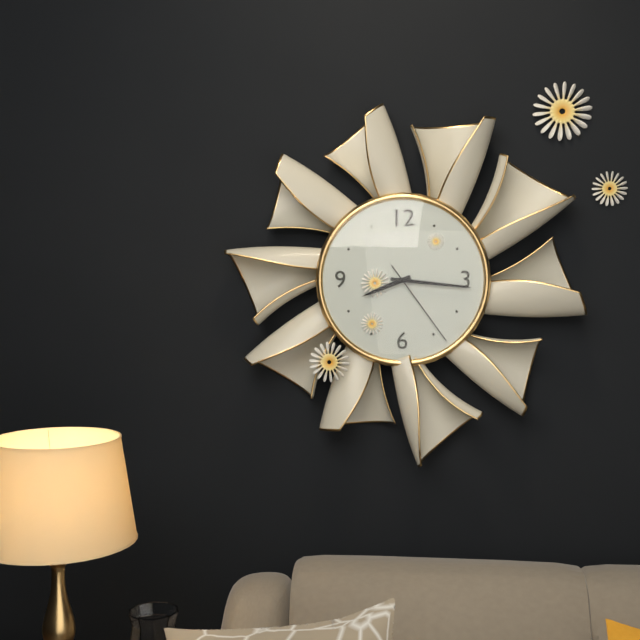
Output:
8:16:24
